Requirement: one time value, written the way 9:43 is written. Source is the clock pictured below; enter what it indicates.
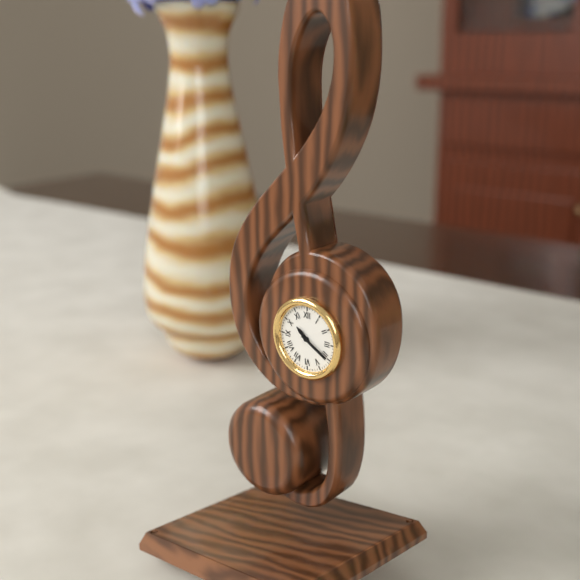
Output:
10:20
